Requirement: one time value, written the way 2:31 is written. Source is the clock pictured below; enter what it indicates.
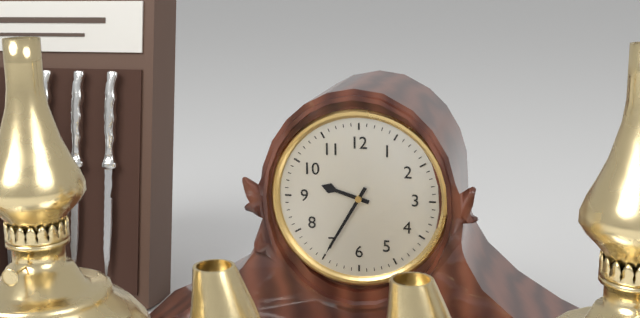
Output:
9:35
